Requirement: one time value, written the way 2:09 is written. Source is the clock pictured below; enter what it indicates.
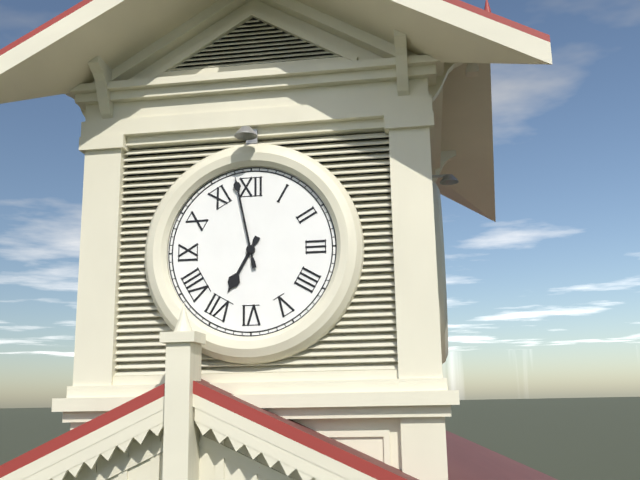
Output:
6:58
